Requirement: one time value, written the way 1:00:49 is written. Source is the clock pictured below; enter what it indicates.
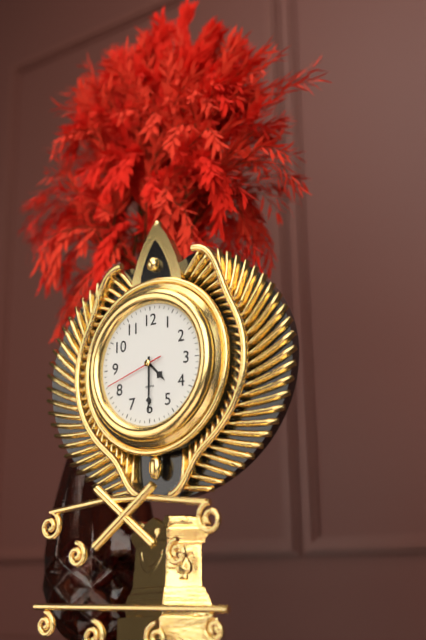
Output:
4:30:42
